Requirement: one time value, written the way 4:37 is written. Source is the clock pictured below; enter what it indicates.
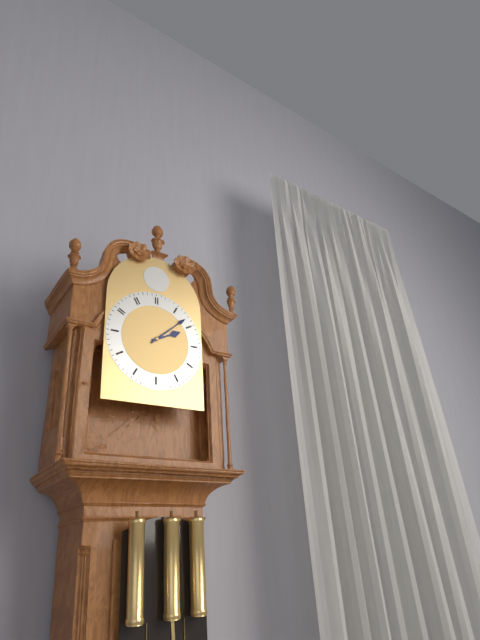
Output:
2:08
